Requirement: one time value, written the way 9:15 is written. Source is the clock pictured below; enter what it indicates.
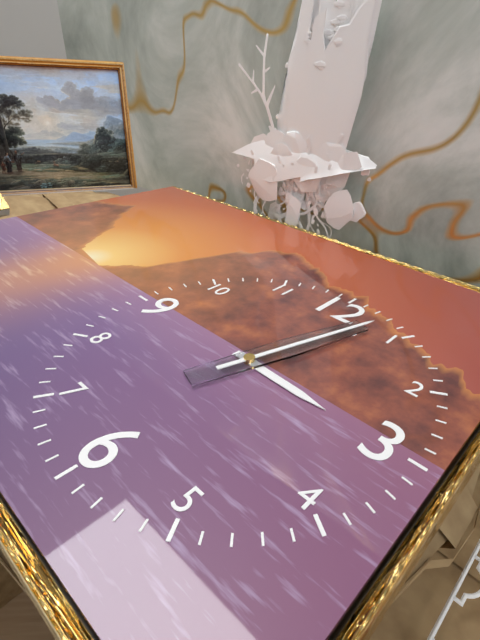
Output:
3:03
